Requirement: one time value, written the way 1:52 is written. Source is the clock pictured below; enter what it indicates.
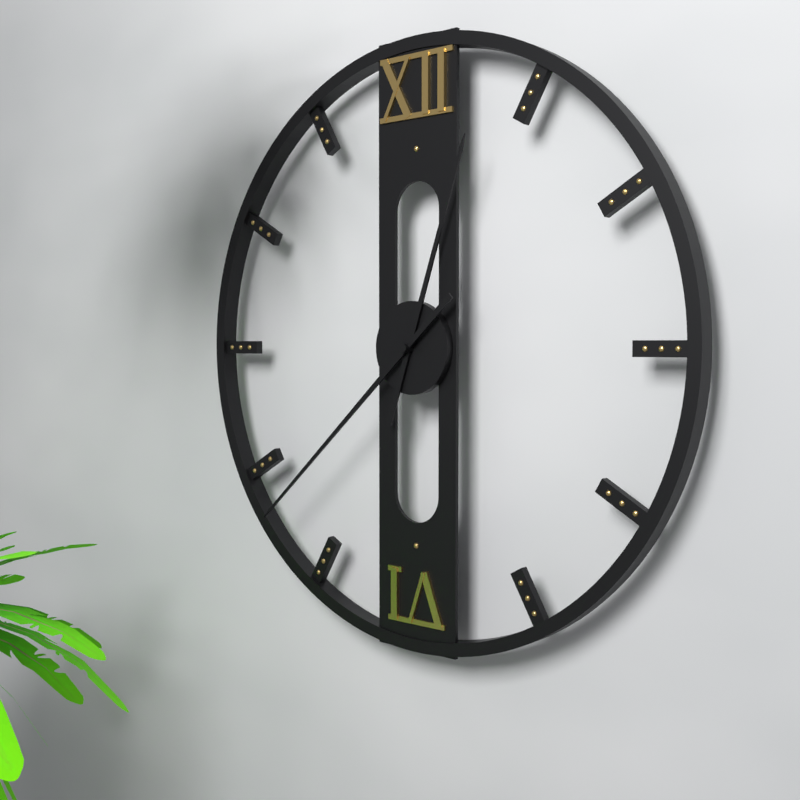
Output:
12:38
